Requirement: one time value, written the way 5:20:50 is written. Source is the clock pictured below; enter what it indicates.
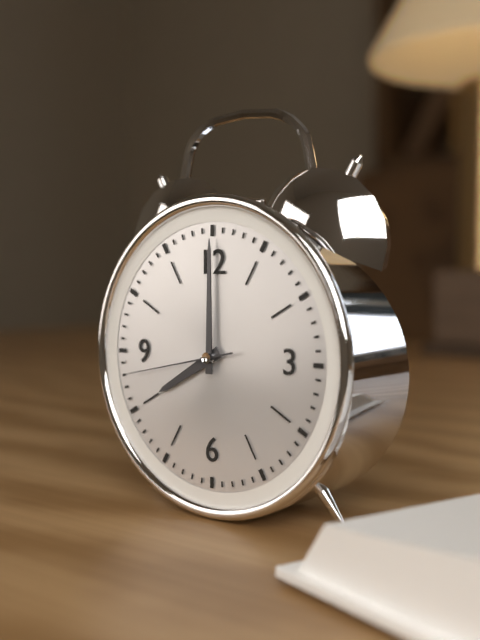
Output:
8:00:43
